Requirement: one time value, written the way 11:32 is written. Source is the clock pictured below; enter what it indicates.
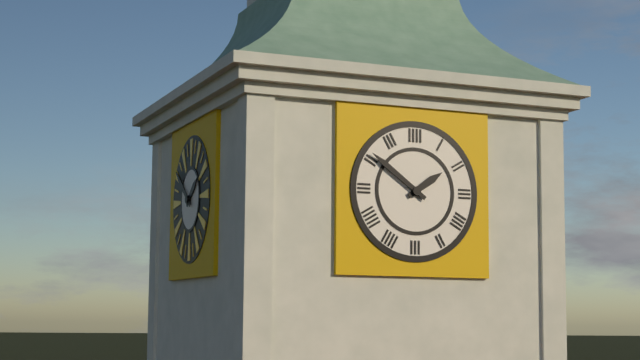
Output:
1:51
